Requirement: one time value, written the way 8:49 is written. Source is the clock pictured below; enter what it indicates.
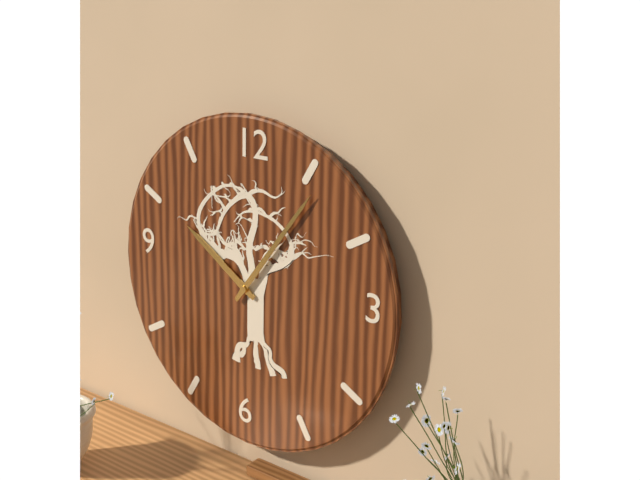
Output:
10:06
